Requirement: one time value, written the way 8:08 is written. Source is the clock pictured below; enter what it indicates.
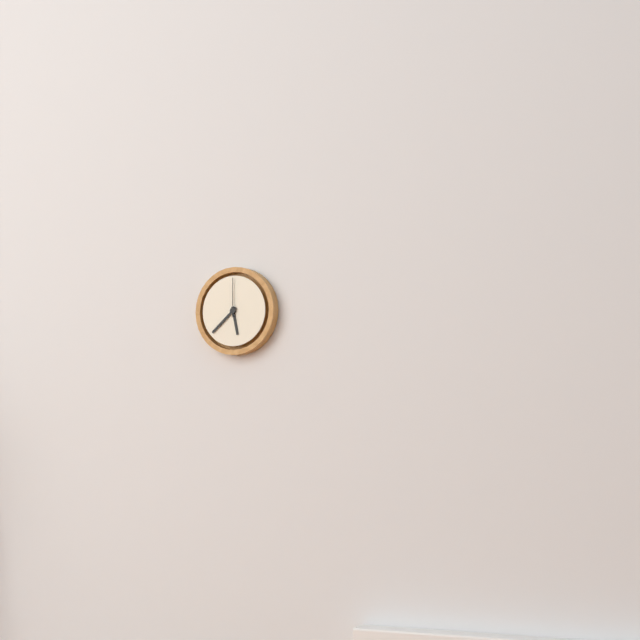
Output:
5:38
